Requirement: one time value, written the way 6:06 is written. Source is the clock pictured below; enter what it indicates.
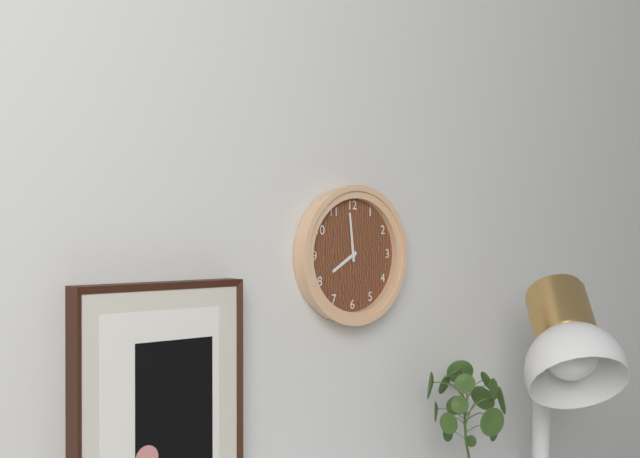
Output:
7:59
